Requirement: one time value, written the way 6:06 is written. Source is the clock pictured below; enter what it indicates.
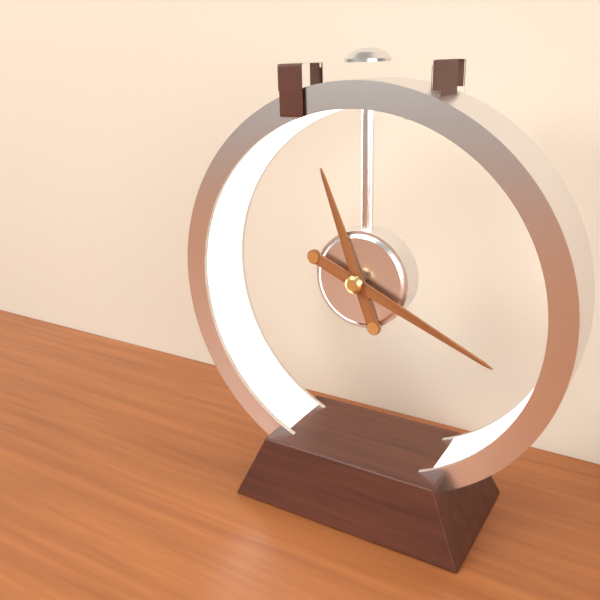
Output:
11:19
